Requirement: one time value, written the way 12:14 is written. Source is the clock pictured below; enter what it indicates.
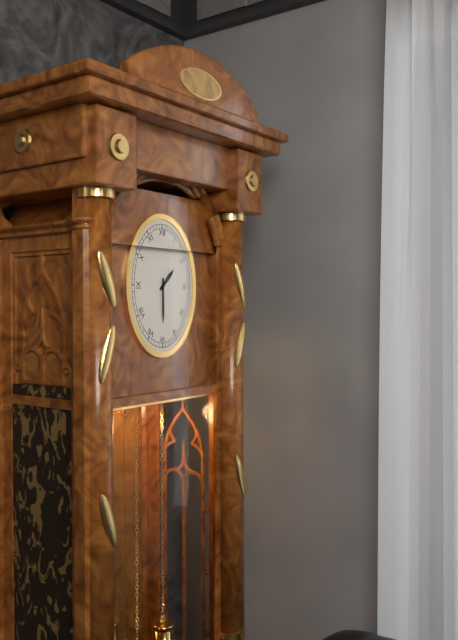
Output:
1:30
